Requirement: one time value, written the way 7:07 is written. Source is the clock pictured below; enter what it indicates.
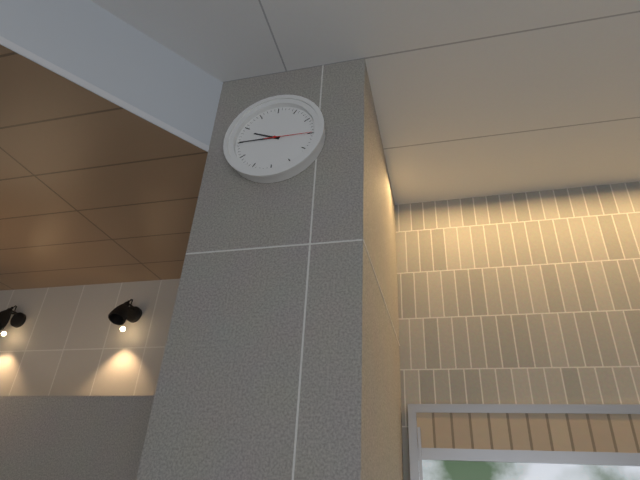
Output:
9:45
